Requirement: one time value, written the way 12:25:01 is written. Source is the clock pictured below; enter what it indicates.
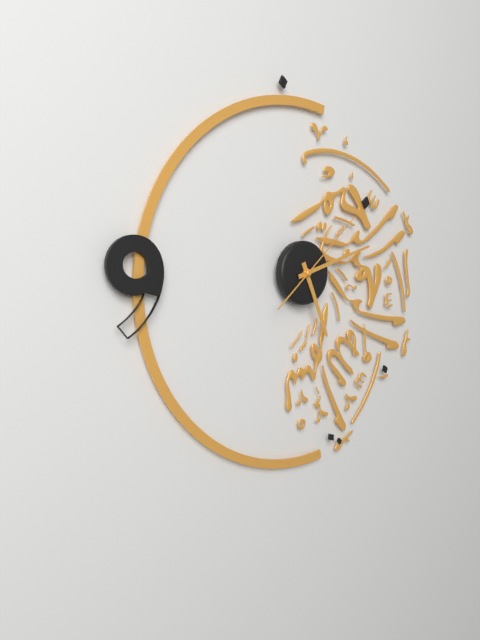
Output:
5:12:08
